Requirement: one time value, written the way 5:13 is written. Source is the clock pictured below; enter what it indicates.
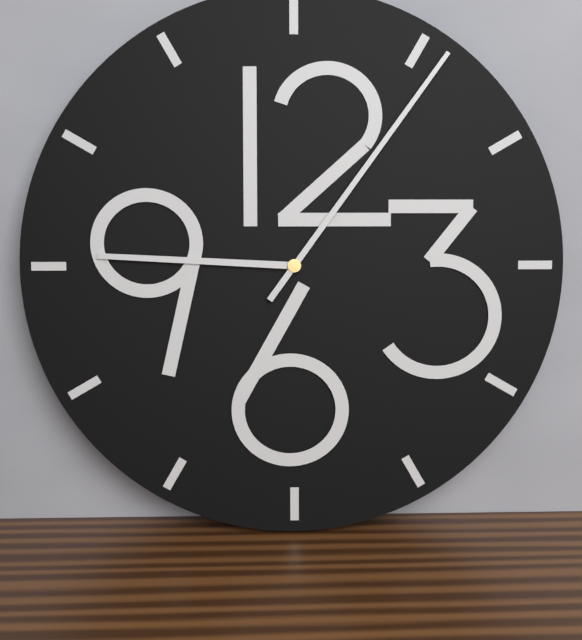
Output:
9:06
